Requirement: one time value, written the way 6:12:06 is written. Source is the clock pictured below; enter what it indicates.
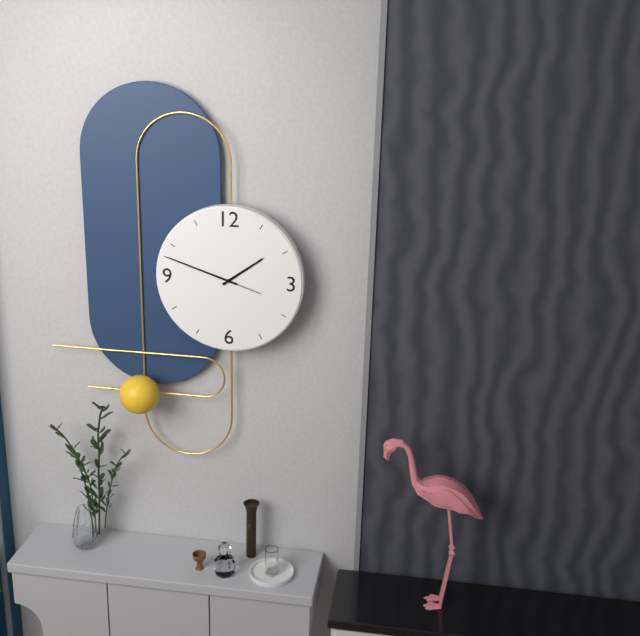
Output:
1:48:48
